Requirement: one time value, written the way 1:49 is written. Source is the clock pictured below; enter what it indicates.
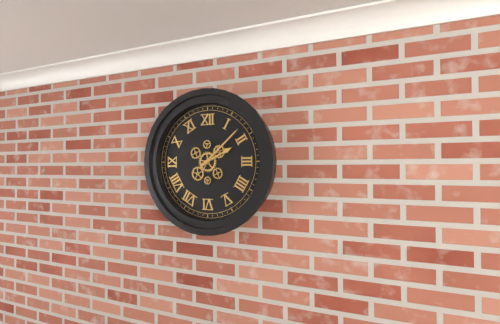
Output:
2:08
